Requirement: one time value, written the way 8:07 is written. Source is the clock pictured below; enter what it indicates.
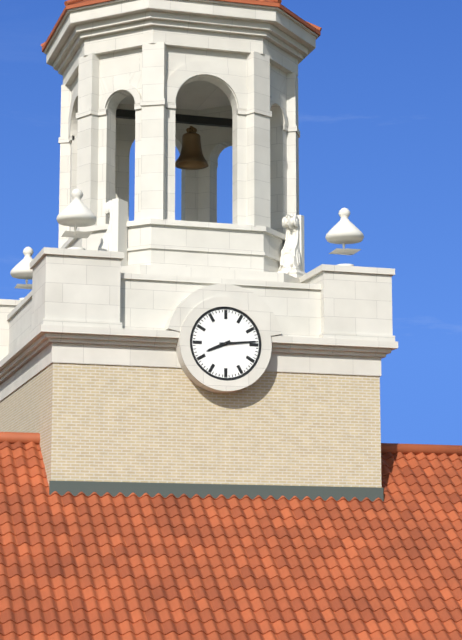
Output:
8:14
